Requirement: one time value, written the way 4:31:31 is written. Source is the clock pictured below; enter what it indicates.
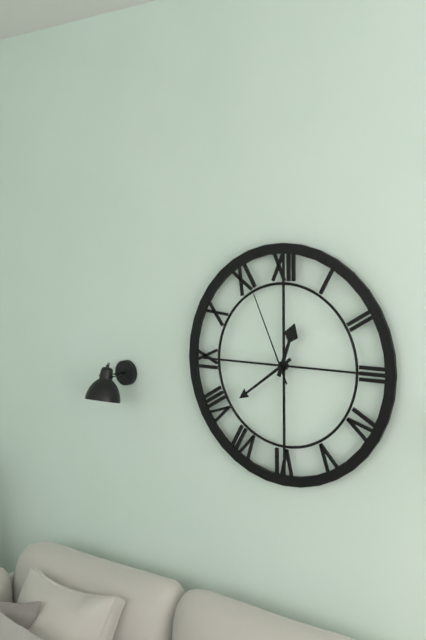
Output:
12:39:56
